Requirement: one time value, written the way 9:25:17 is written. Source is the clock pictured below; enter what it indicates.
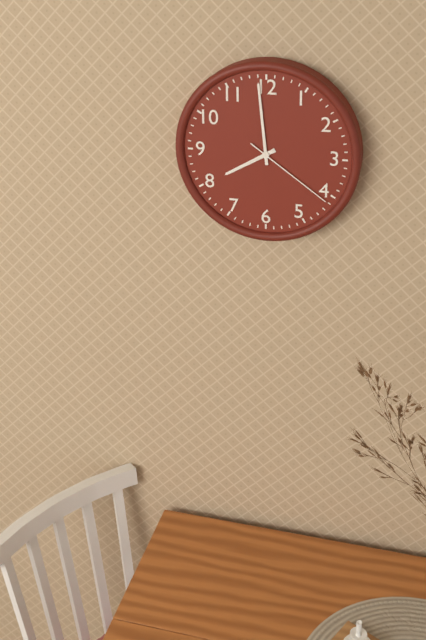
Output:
7:59:21
